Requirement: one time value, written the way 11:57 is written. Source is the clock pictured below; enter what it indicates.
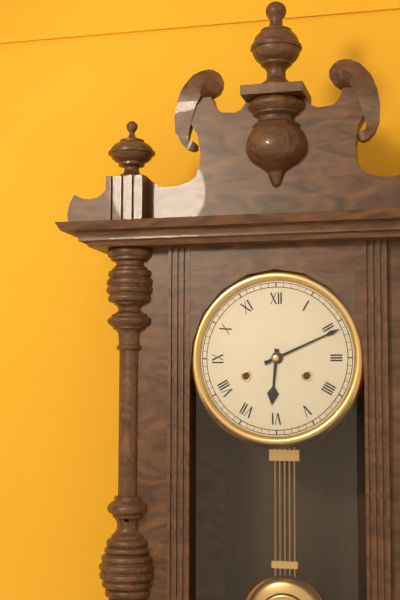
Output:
6:11
